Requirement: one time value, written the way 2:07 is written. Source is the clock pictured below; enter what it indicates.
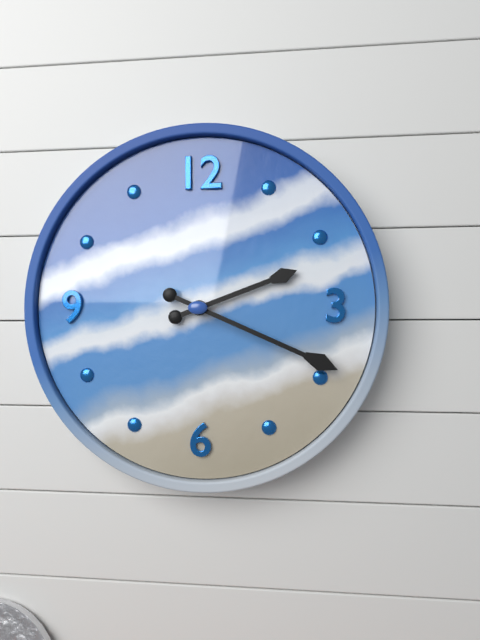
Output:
2:19
